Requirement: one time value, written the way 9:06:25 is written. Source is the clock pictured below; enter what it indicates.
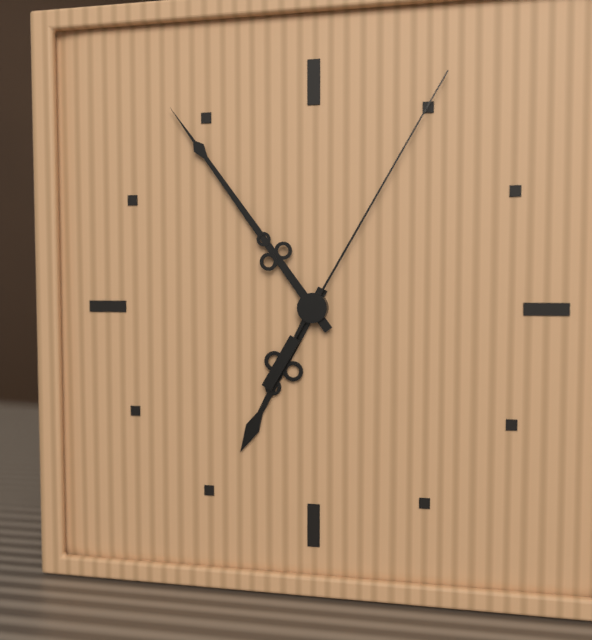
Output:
6:54:05
